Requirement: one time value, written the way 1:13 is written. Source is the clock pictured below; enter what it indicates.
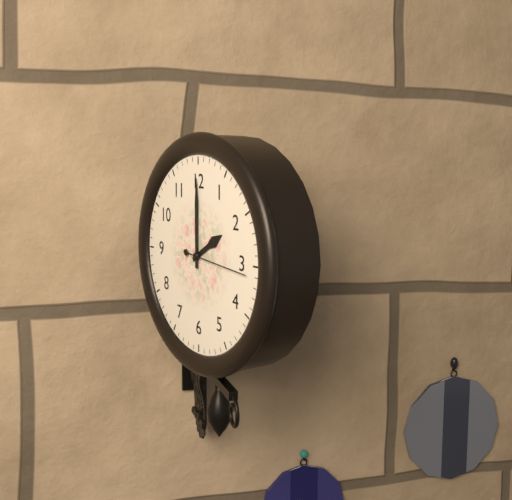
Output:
2:00
